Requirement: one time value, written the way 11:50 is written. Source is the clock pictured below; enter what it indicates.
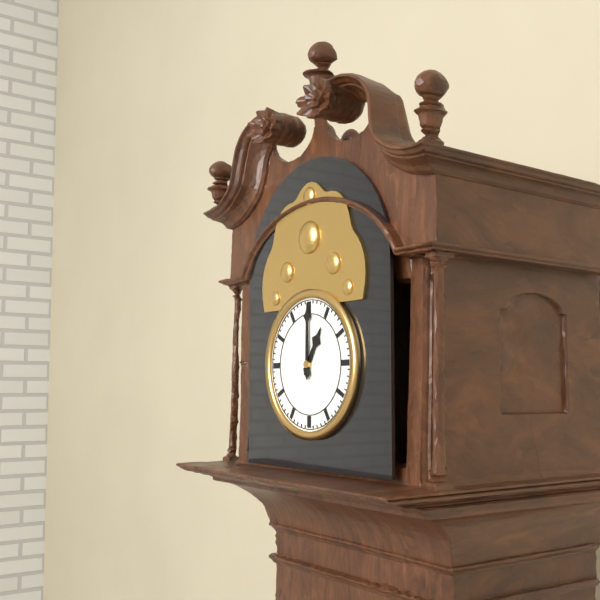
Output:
1:00
